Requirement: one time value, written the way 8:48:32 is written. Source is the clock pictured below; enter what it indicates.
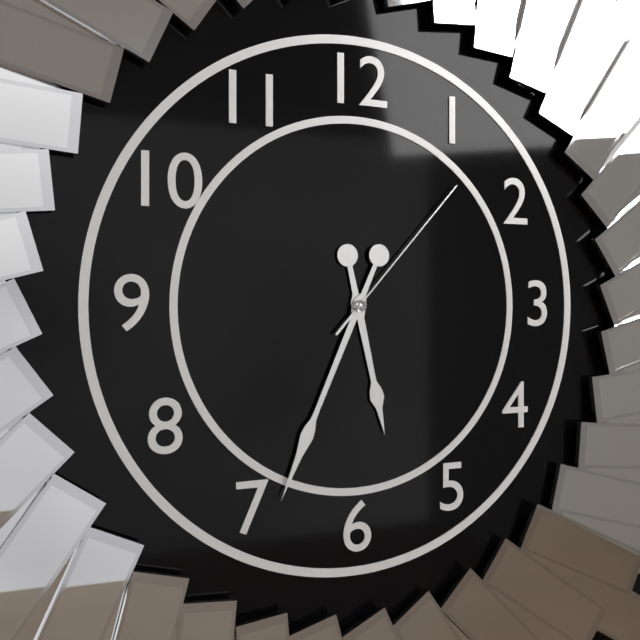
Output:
5:34:07
